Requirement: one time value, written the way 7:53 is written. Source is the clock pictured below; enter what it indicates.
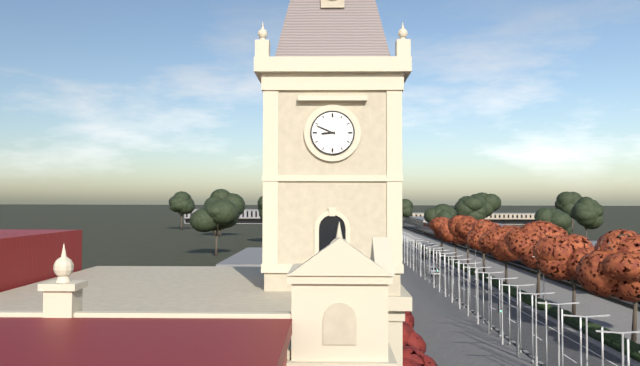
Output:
8:49
